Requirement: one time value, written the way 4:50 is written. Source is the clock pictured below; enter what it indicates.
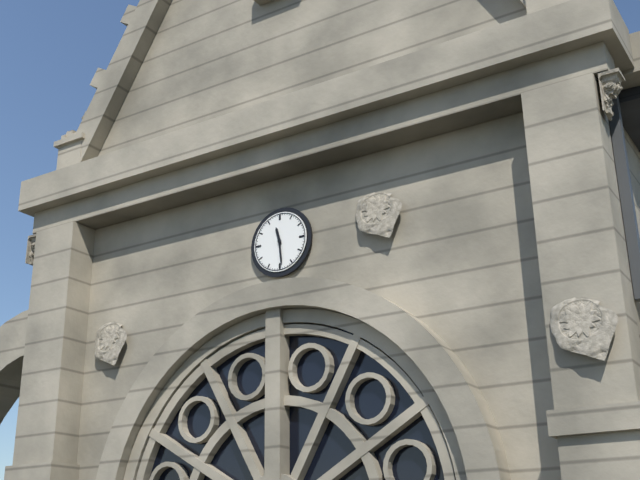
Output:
11:29
